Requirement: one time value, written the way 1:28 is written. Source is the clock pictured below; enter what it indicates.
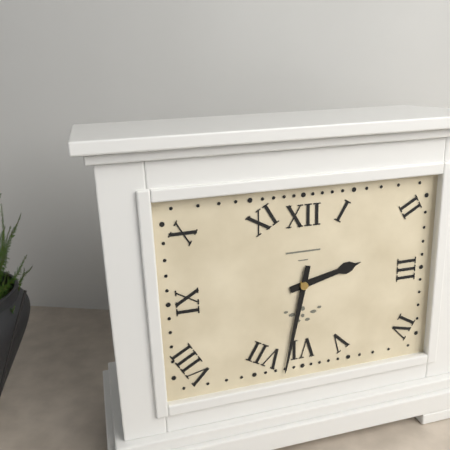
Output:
2:32
